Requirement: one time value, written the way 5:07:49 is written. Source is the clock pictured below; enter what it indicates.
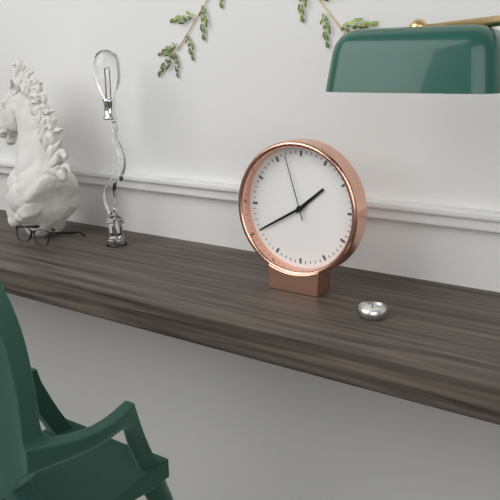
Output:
1:40:57
